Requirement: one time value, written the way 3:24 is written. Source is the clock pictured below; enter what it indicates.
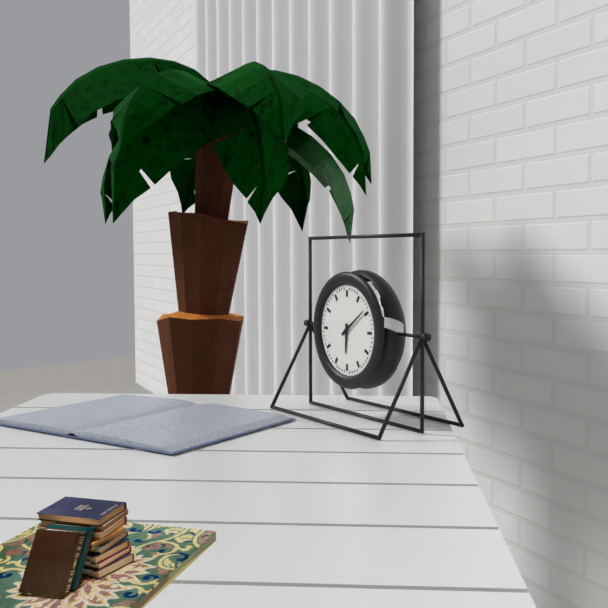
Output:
6:09
